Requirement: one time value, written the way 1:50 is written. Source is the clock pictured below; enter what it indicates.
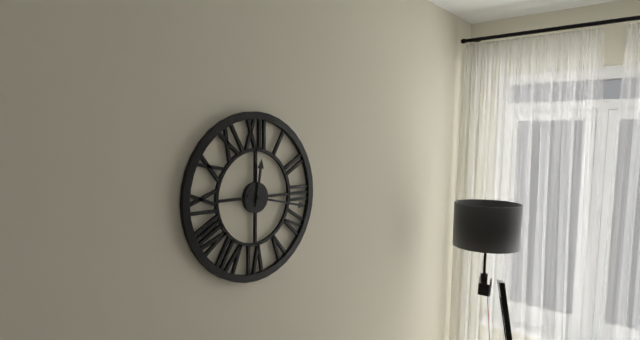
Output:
12:17
